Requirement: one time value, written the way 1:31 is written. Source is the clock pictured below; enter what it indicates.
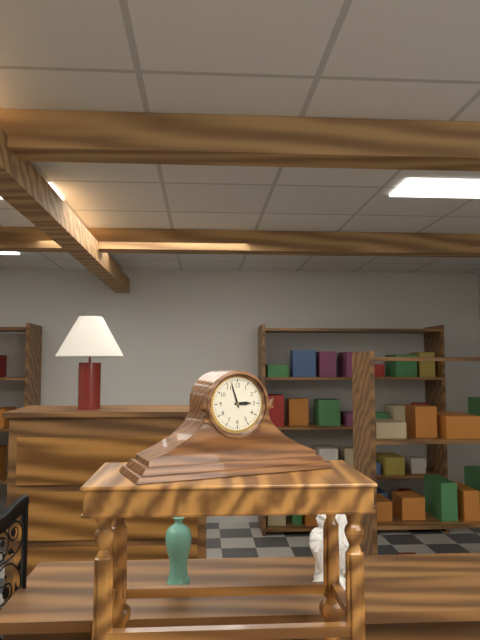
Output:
2:57
